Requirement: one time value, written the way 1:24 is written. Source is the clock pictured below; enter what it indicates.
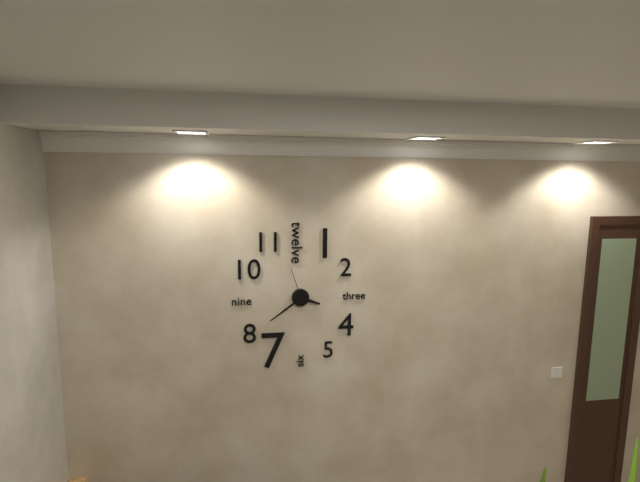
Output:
3:39
